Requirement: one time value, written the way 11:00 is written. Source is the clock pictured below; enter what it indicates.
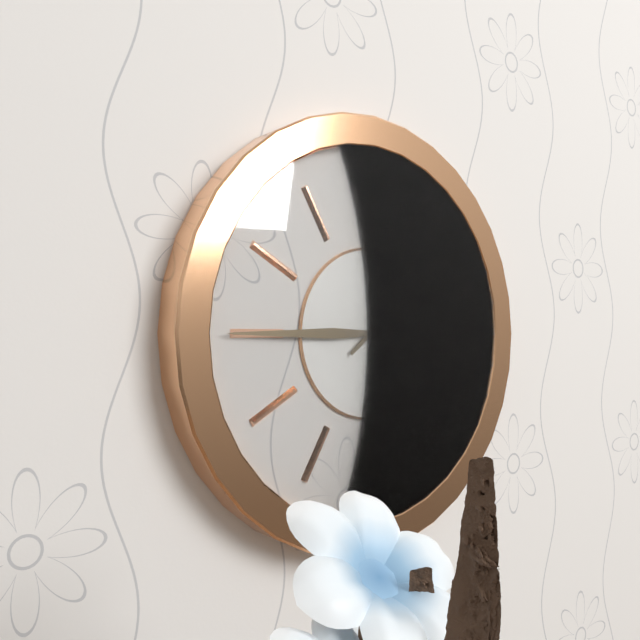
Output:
1:45
